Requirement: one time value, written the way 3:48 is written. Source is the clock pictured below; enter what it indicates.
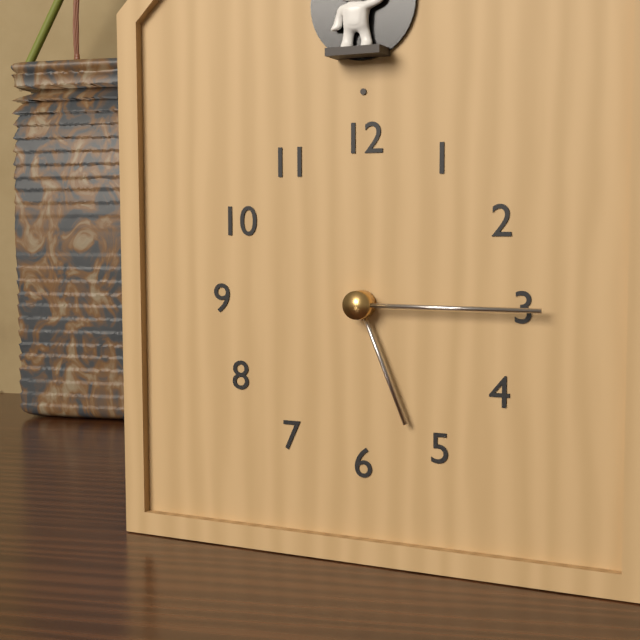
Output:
5:15
